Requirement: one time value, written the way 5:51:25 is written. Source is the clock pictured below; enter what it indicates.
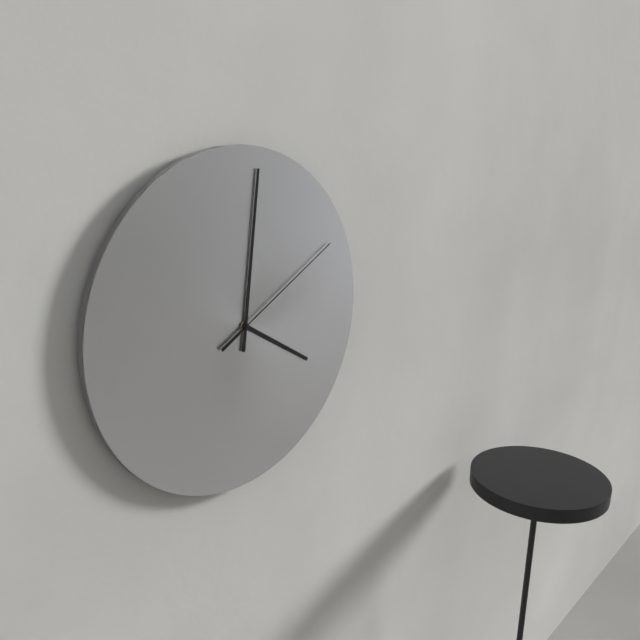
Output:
4:01:10
